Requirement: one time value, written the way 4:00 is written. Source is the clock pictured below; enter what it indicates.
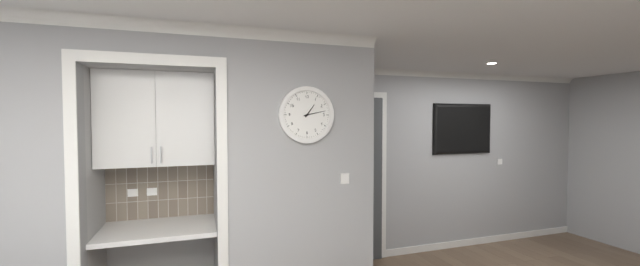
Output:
1:13
